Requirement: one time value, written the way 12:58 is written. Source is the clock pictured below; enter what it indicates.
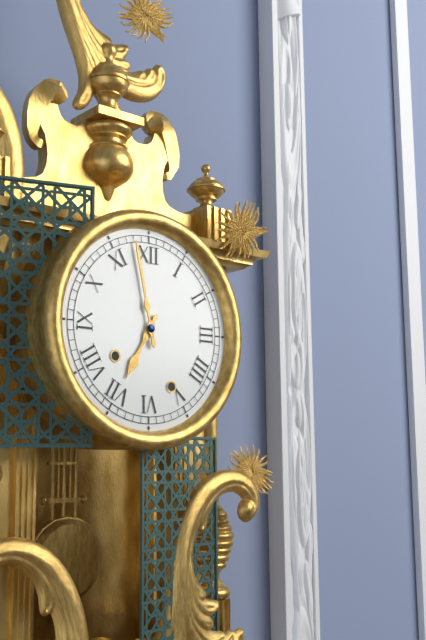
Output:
6:58
